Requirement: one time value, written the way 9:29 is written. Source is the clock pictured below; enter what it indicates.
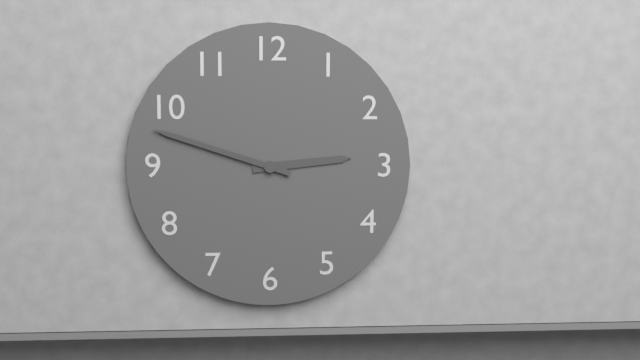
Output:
2:48
